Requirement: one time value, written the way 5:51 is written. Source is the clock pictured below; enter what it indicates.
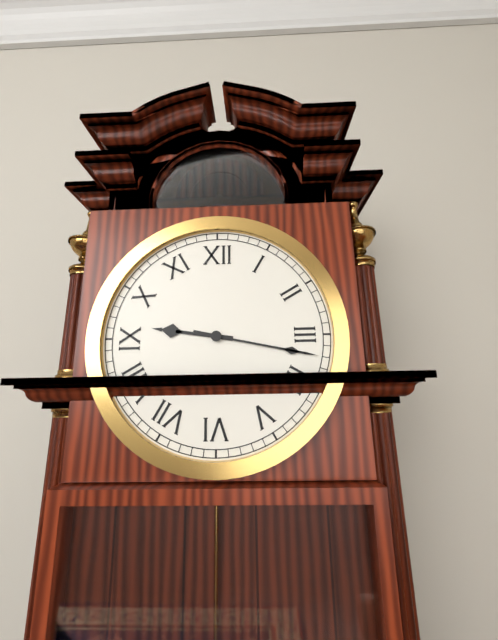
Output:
9:17
